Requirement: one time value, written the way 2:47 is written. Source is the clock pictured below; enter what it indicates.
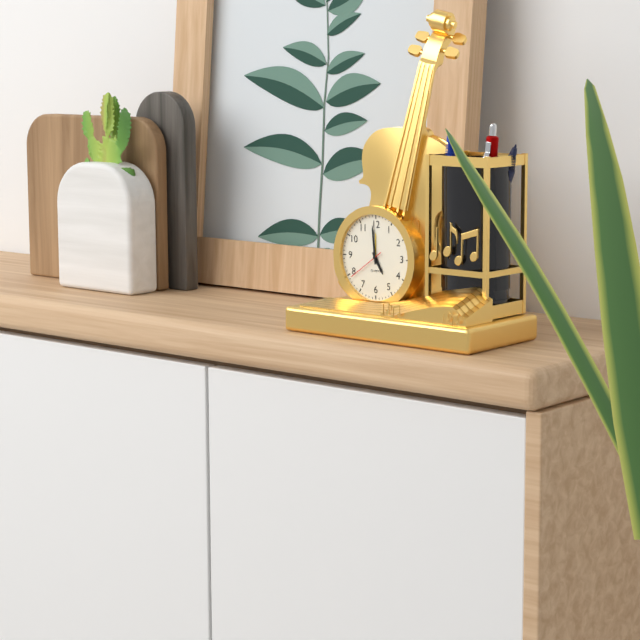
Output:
4:59
